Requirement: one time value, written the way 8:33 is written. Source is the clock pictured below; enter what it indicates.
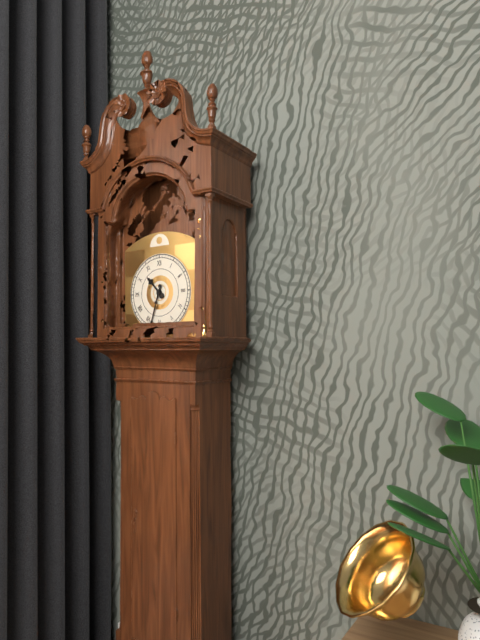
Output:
10:33
